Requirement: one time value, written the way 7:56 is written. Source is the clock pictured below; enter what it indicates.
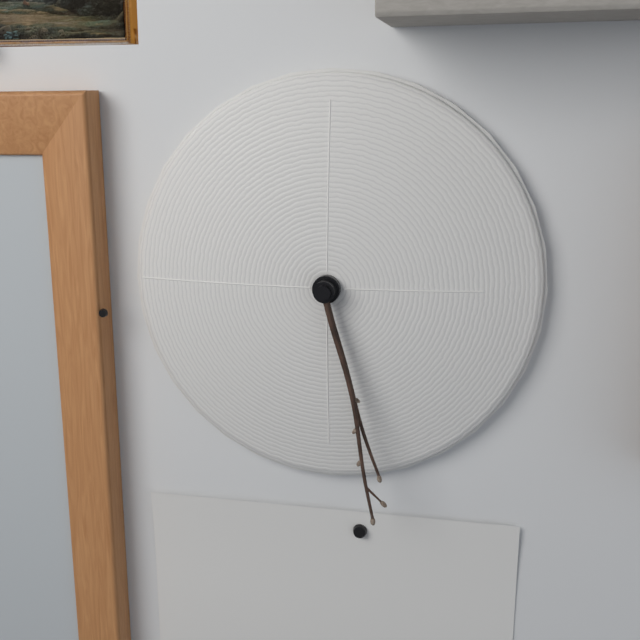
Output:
5:28
